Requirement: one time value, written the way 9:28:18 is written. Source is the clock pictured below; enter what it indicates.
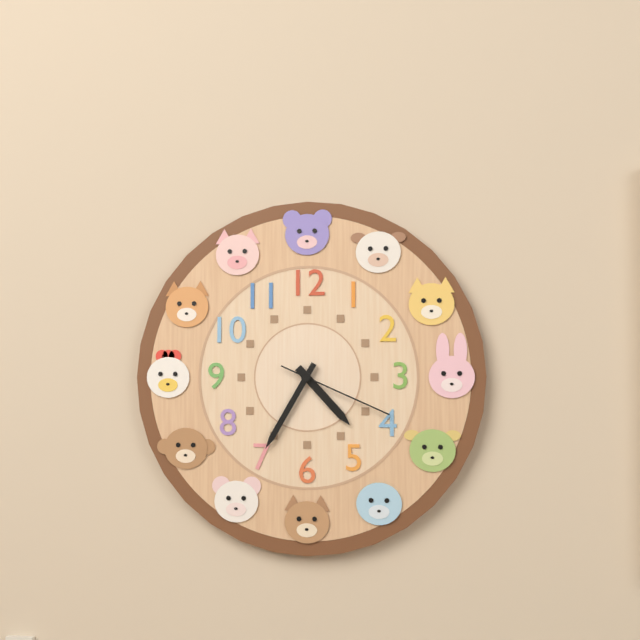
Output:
4:35:19
